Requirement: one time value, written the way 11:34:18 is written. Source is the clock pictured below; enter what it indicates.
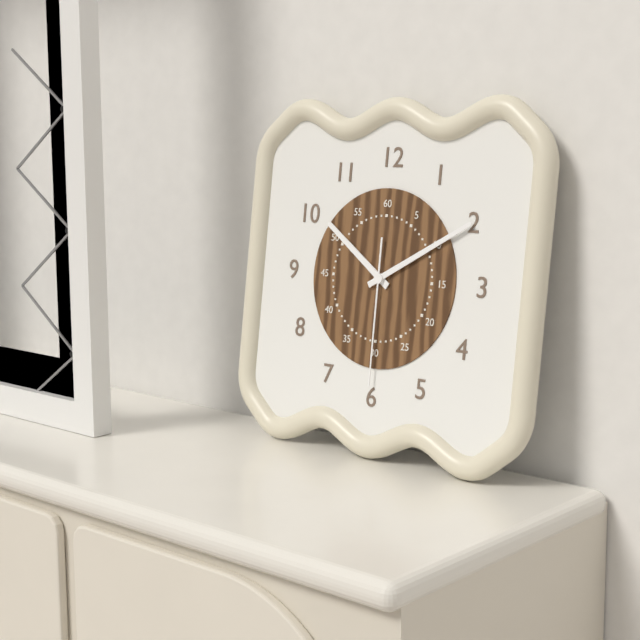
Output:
10:10:30
